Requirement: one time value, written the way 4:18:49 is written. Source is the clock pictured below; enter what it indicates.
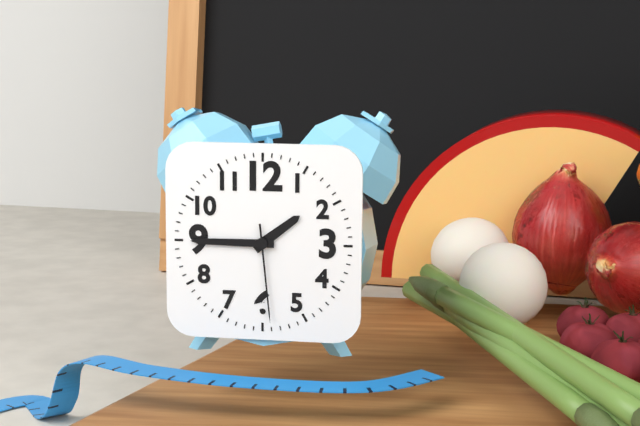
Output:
1:45:29
